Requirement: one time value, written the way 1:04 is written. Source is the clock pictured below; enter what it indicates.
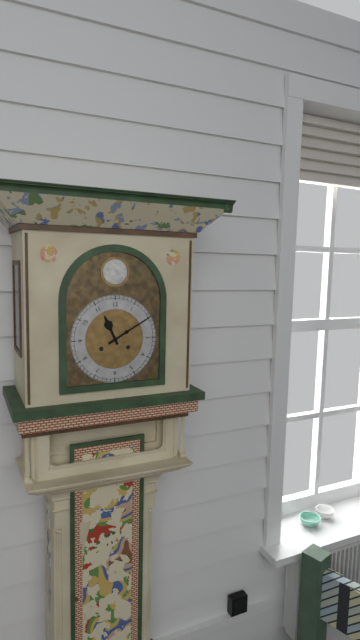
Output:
11:10
